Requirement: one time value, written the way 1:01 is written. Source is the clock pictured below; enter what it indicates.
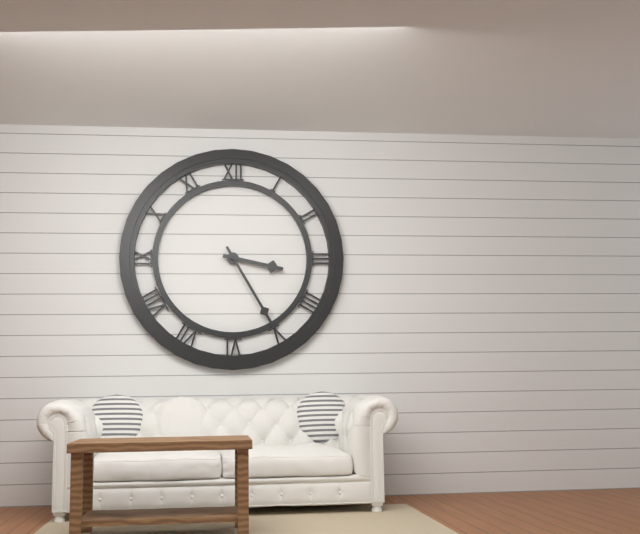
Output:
3:25
